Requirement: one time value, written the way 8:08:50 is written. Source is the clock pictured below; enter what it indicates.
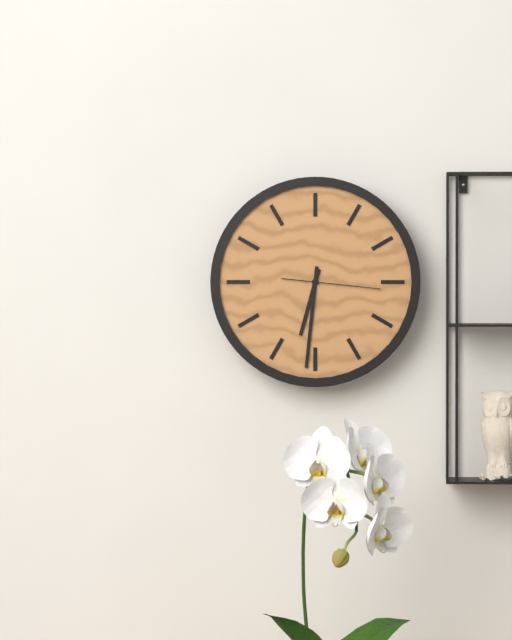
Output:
6:31:16
